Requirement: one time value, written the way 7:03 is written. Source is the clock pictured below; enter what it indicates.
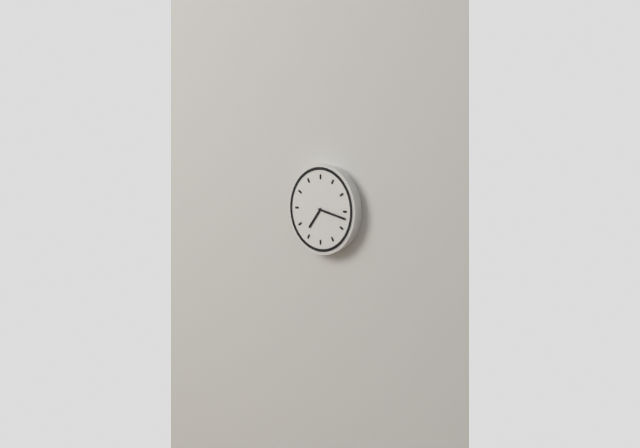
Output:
7:17
